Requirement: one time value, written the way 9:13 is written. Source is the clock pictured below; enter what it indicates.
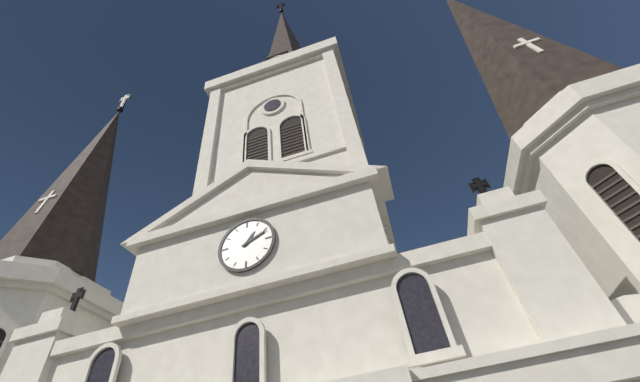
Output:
1:11
